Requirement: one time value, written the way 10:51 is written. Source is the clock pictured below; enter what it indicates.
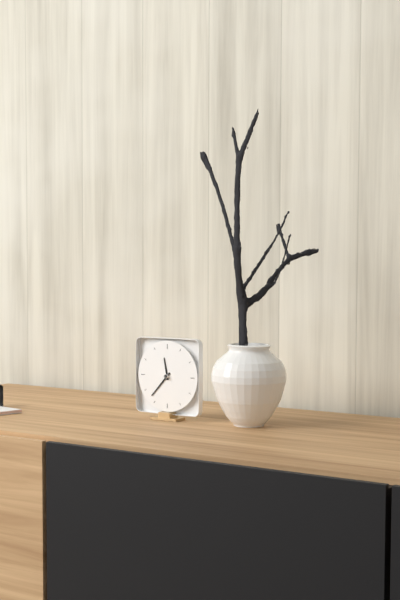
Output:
11:37
